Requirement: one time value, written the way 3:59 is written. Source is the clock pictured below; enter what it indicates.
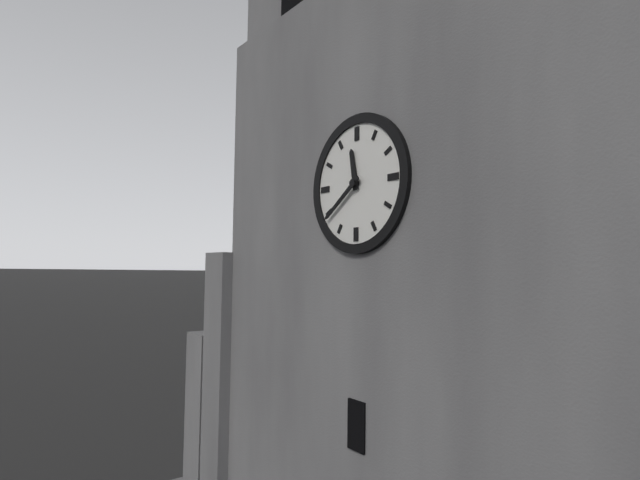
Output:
11:39
